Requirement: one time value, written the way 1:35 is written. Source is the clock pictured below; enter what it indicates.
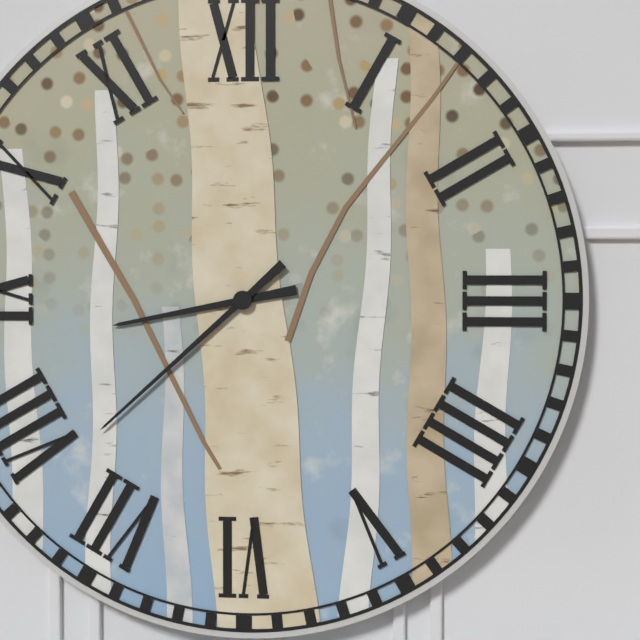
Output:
8:38
